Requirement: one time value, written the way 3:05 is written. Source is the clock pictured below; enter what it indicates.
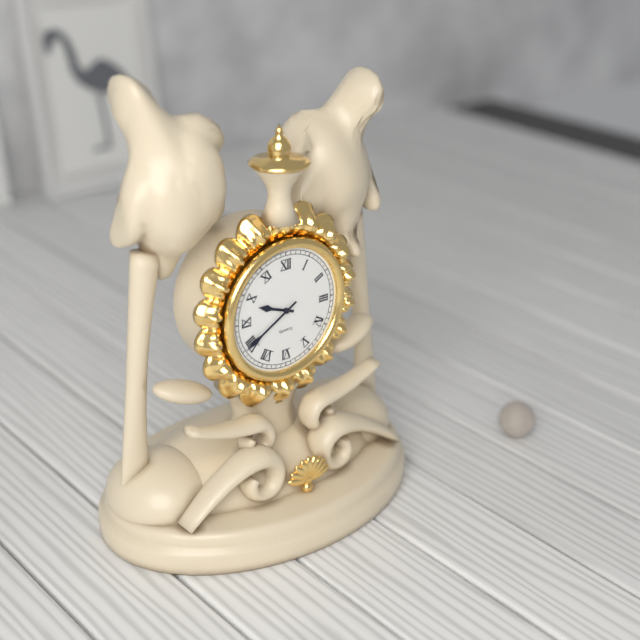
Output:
9:40
